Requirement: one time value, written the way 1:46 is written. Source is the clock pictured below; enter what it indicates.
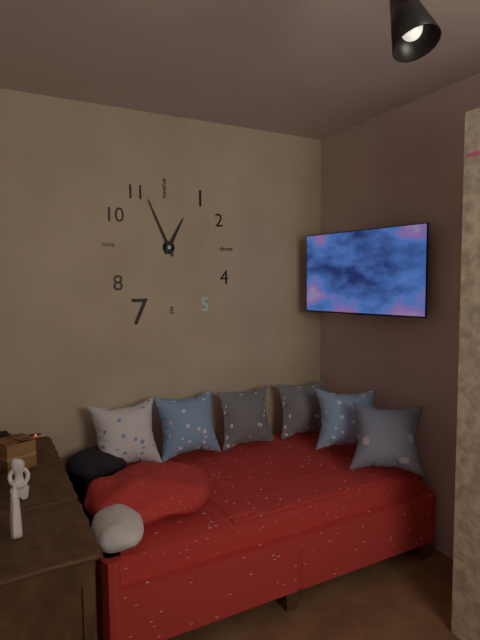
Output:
12:56
